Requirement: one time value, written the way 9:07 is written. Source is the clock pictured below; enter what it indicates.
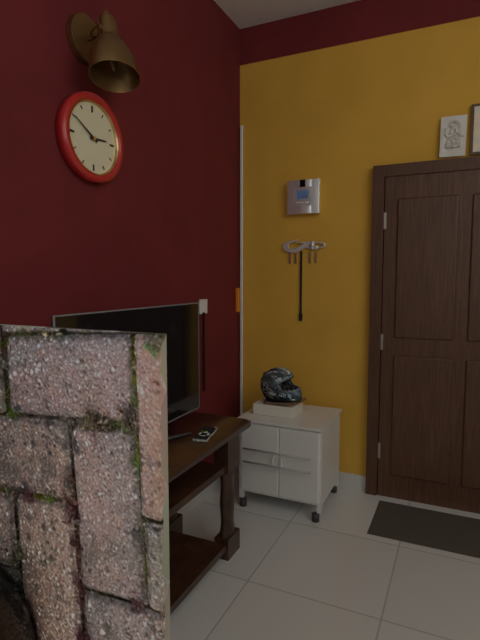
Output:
2:50
